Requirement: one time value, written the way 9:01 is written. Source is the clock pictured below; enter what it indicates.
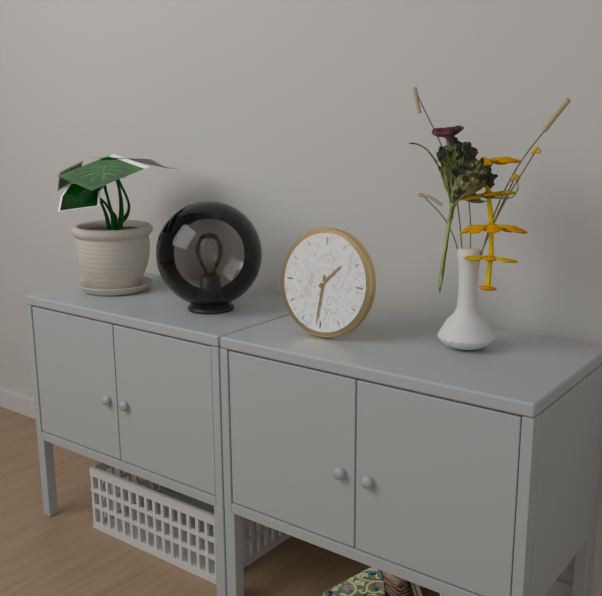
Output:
1:31
